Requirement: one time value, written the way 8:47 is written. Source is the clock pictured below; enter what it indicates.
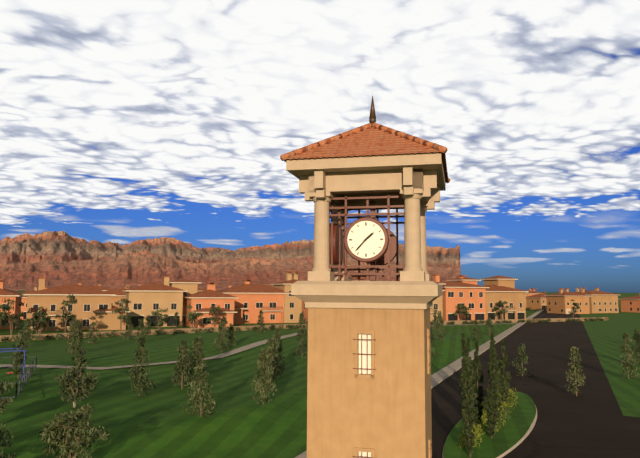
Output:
1:37
